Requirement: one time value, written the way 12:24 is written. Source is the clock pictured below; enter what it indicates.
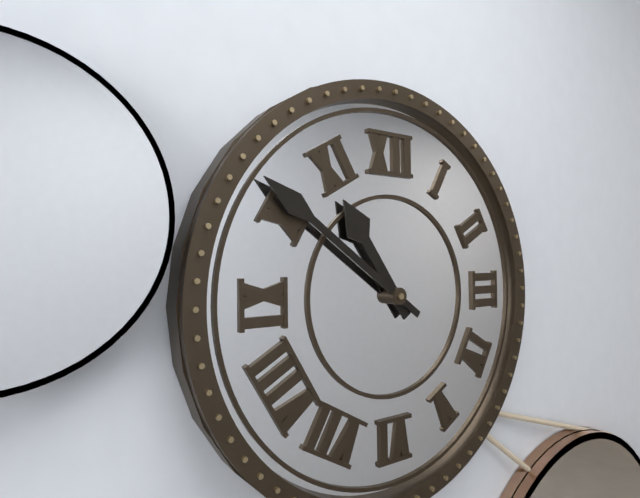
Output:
10:51
